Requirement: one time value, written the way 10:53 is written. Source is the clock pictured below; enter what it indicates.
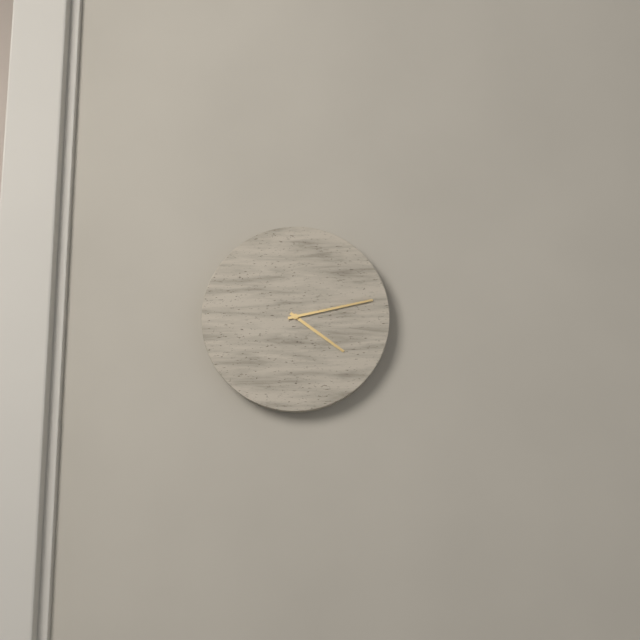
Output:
4:13
